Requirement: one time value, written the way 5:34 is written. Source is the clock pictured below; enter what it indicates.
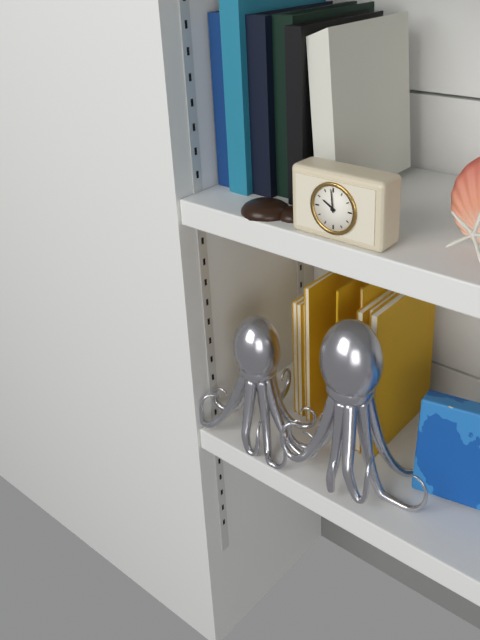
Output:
9:59
